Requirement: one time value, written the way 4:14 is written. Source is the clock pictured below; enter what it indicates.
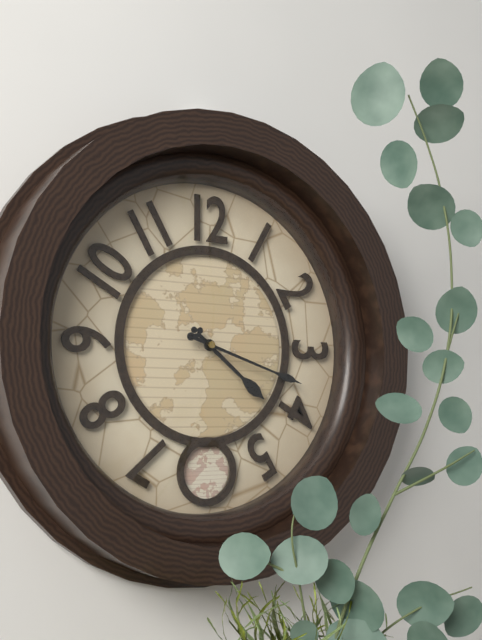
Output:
4:18
